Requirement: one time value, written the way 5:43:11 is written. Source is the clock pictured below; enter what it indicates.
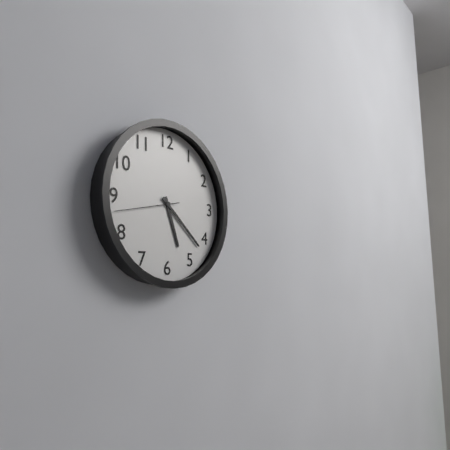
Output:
5:22:43
